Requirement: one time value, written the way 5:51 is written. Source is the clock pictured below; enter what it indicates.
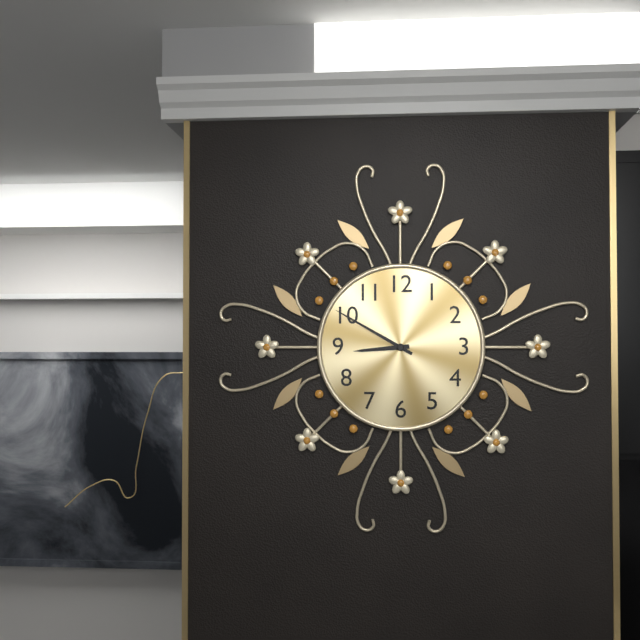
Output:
8:50
